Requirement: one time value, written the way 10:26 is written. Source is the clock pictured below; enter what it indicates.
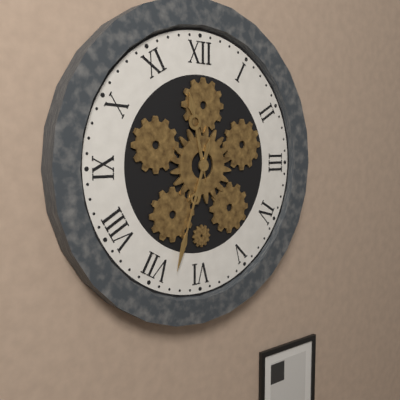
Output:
11:33
